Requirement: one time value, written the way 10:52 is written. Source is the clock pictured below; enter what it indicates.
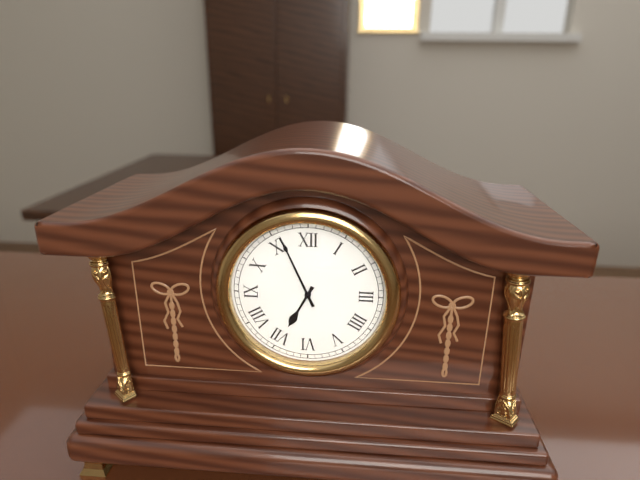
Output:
6:56
